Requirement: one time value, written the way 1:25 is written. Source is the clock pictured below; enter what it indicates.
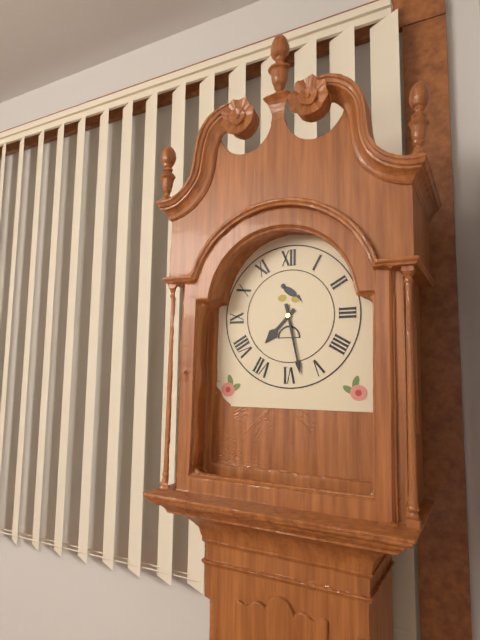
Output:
7:28
